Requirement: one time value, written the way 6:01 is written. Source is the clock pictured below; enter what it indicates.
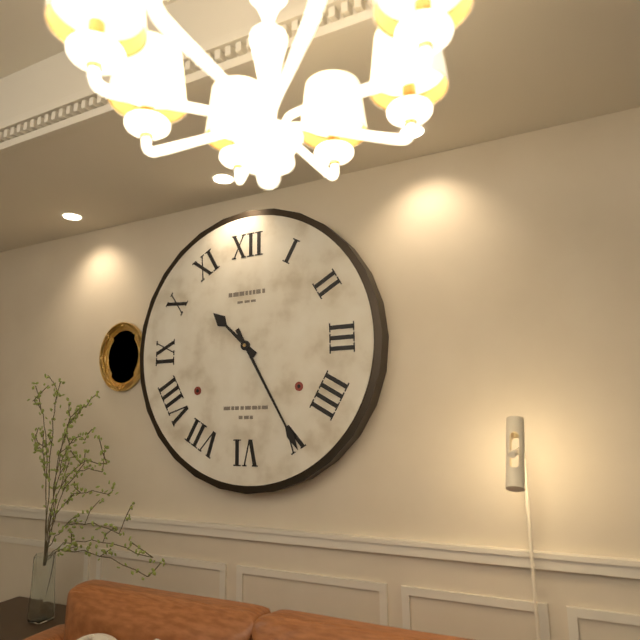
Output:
10:25
